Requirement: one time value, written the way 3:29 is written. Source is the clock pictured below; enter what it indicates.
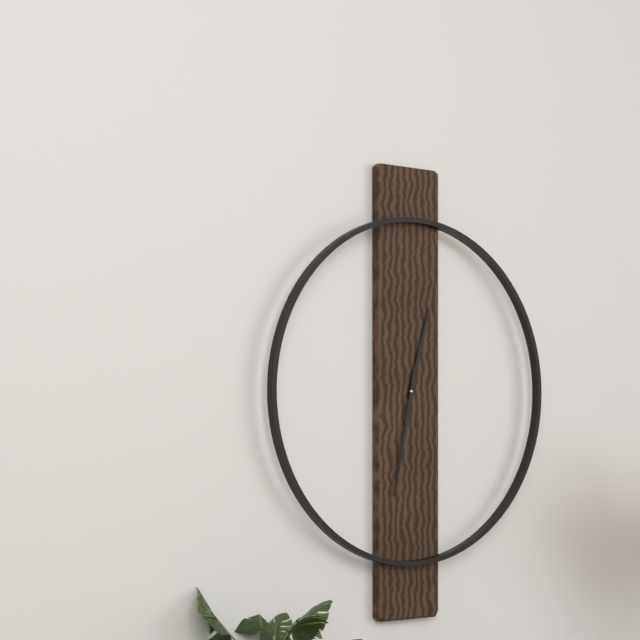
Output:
12:32
